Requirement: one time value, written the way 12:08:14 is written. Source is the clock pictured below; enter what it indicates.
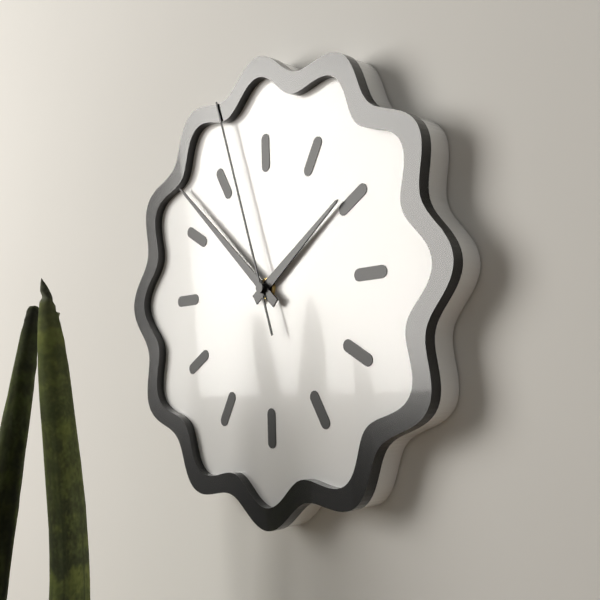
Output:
1:52:57
